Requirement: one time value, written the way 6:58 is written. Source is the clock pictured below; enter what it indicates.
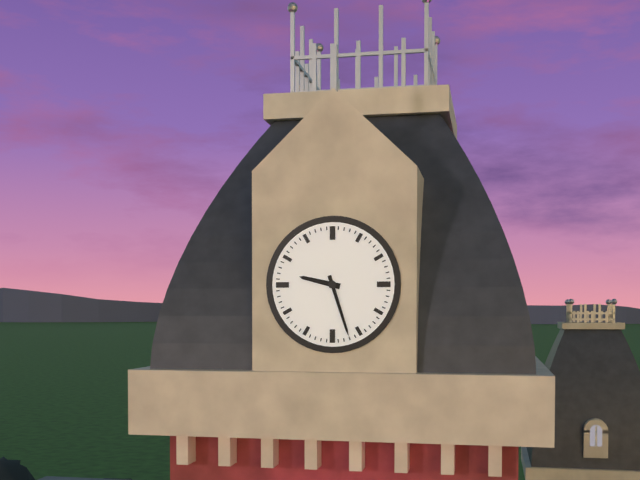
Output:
9:27
